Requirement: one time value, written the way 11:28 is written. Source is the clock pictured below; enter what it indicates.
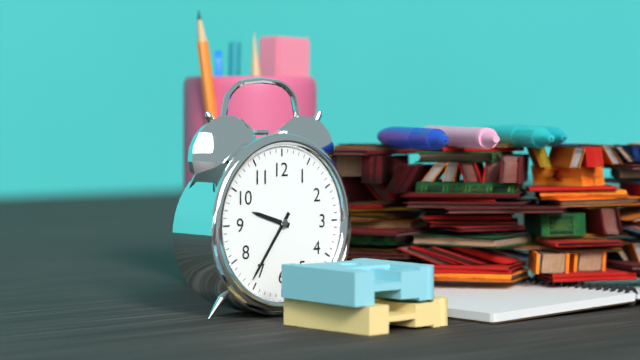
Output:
9:36
